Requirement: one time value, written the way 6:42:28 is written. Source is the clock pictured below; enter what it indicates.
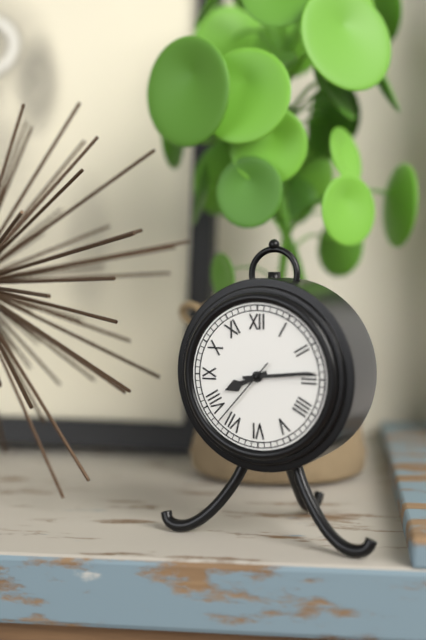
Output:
8:14:37
